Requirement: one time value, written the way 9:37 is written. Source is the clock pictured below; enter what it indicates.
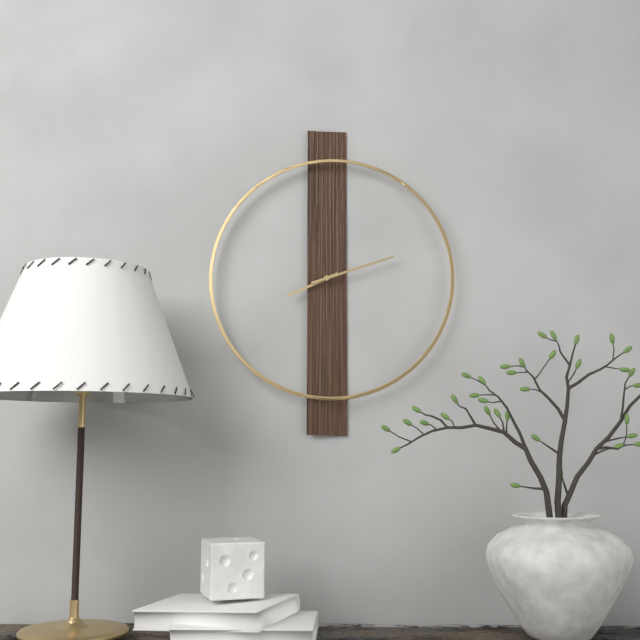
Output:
8:12
